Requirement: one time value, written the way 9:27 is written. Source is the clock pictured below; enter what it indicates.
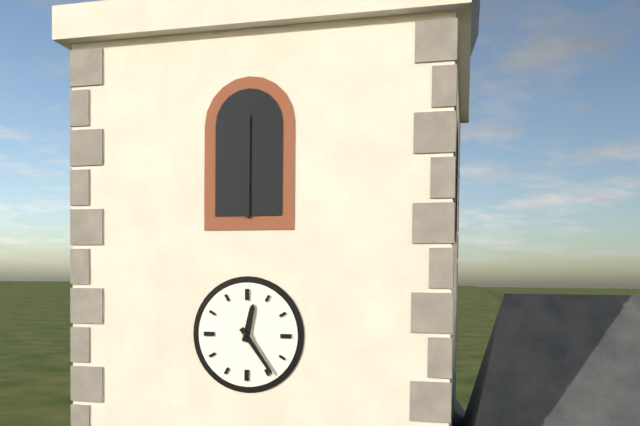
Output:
12:24
